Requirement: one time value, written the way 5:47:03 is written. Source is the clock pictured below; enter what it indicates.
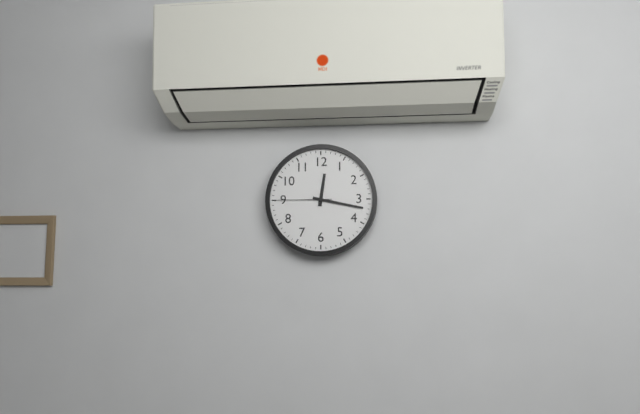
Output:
12:17:45
